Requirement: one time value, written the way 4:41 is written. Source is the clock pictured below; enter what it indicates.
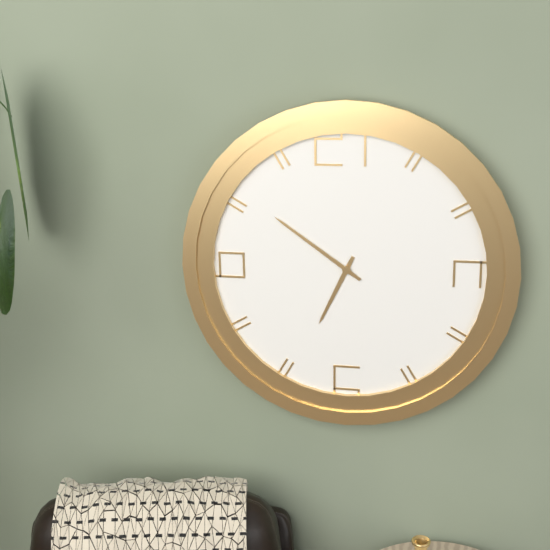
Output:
6:51
